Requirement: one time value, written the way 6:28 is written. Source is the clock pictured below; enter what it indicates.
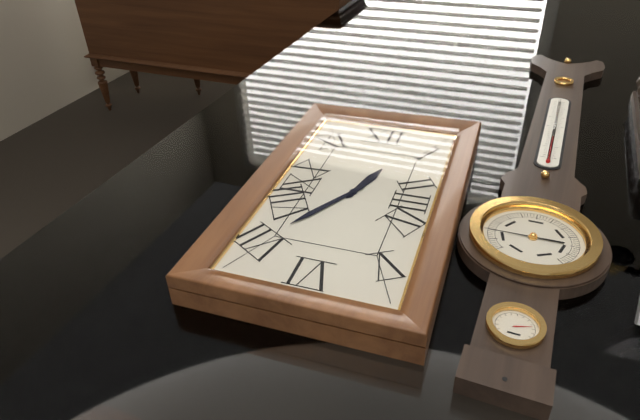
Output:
12:35
